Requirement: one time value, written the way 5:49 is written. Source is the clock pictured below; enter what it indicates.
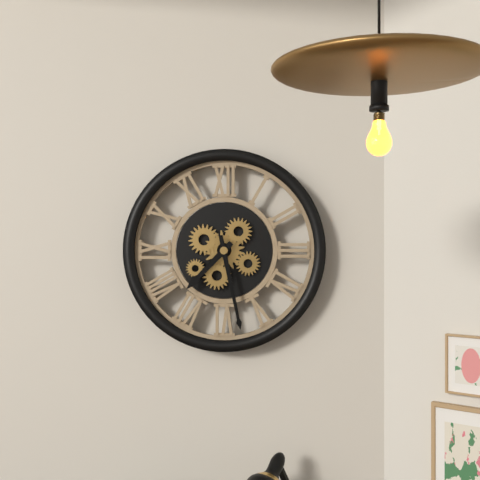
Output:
7:28
